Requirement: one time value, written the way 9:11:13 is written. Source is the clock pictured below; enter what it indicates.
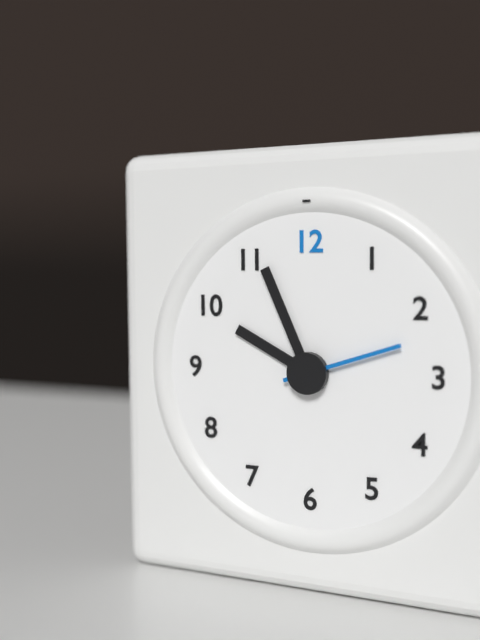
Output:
9:56:12
